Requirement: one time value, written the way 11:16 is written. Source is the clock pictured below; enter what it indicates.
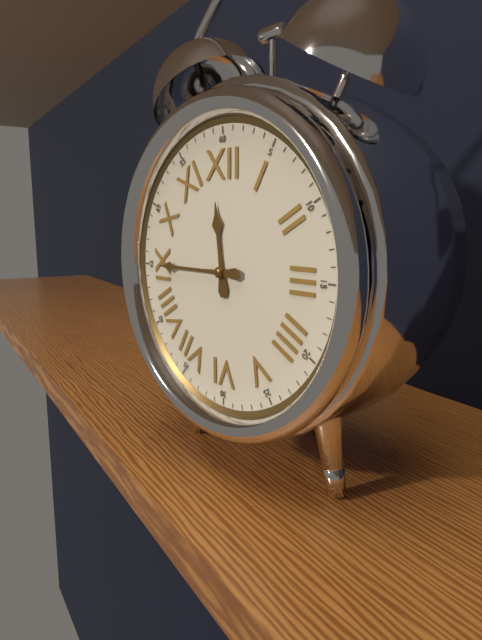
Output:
11:45
